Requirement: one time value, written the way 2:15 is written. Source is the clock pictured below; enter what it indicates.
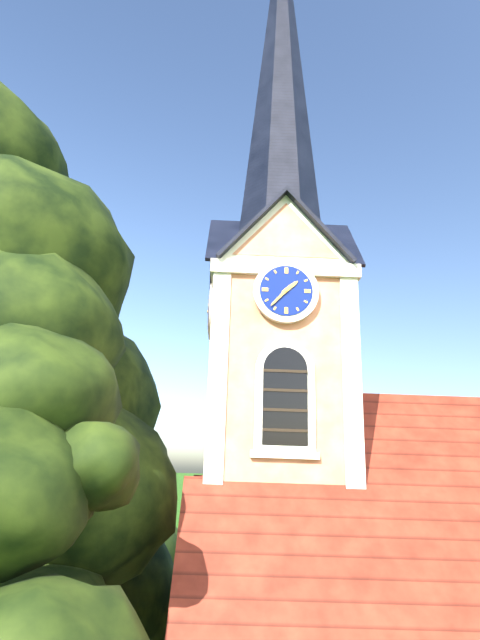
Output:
1:37
